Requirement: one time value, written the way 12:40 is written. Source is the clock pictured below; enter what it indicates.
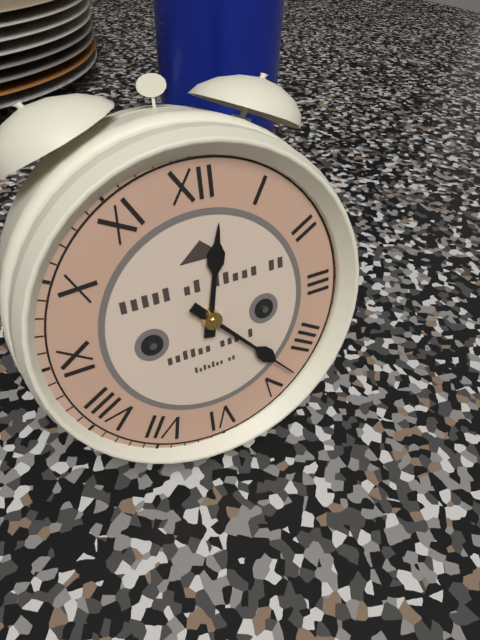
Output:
12:23
